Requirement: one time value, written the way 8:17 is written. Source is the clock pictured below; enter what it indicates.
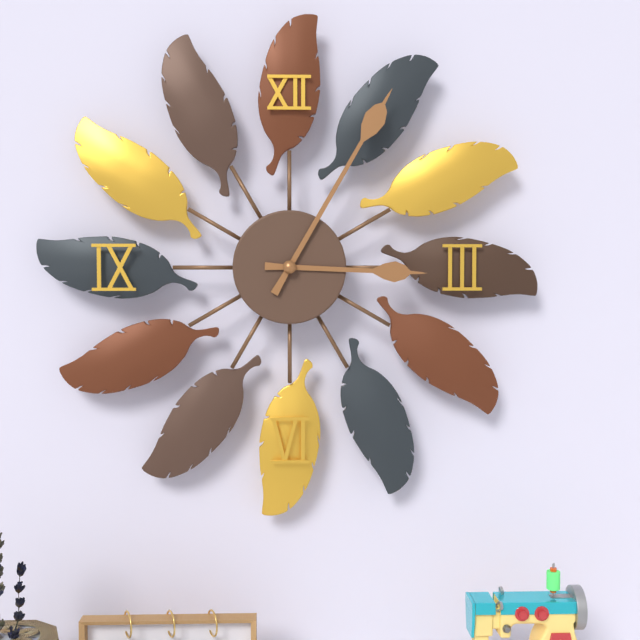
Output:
3:05
